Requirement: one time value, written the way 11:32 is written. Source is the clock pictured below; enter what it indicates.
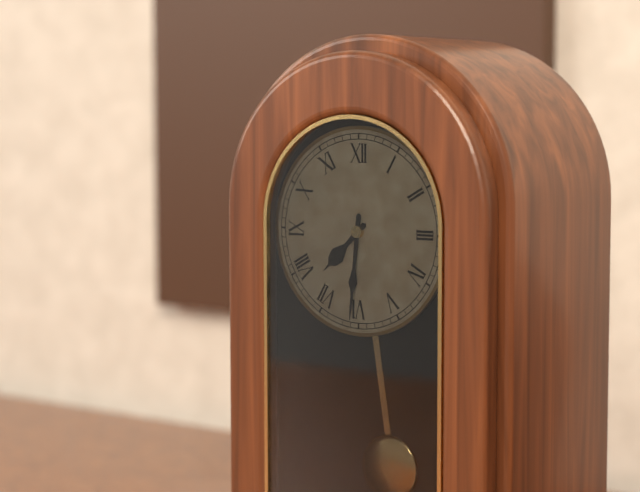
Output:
7:31
